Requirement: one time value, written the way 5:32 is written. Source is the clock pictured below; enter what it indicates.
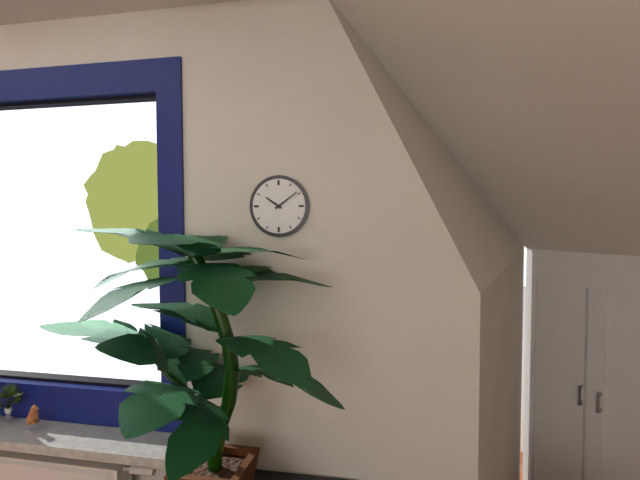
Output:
10:09
